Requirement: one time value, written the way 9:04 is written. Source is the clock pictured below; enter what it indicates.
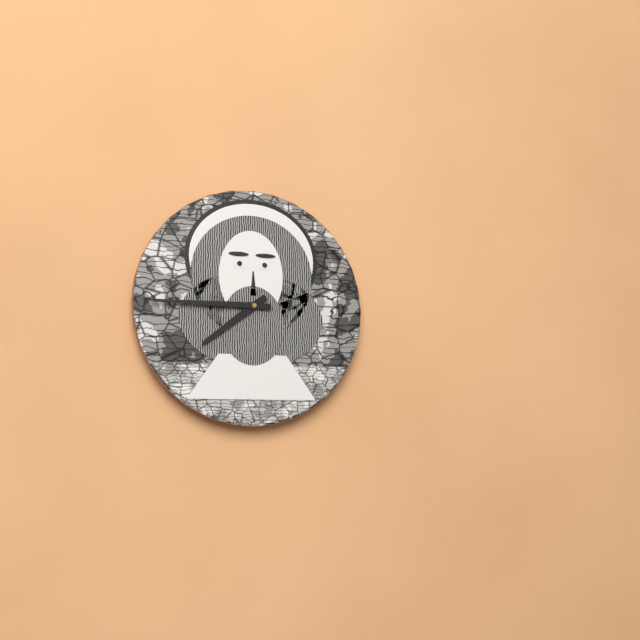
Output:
7:45
